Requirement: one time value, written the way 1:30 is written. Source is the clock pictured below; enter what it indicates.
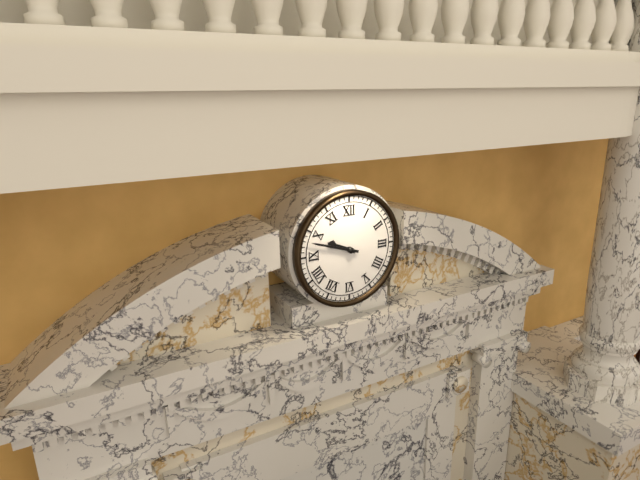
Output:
9:48
